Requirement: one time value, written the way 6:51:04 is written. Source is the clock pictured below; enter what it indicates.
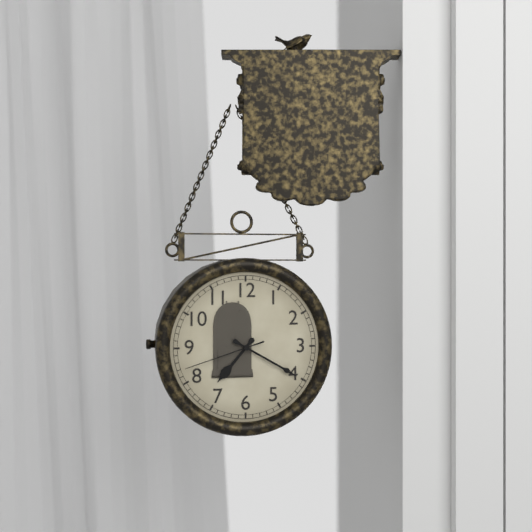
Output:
7:20:42
